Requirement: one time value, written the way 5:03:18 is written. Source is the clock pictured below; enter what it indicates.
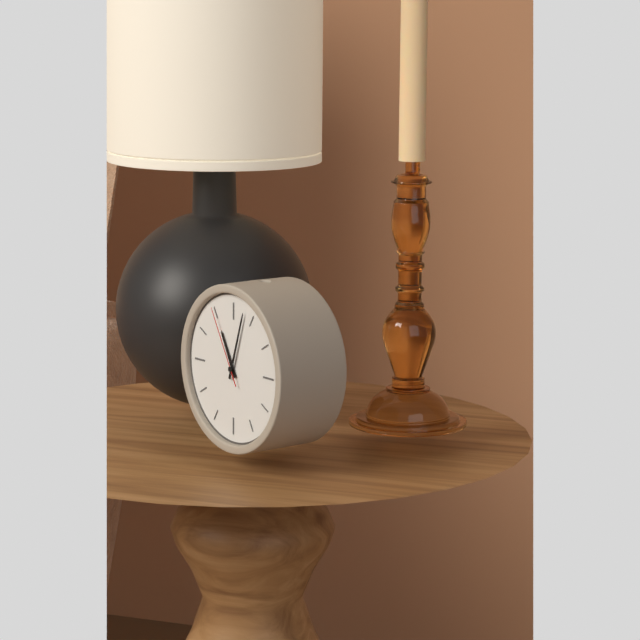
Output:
11:03:55
